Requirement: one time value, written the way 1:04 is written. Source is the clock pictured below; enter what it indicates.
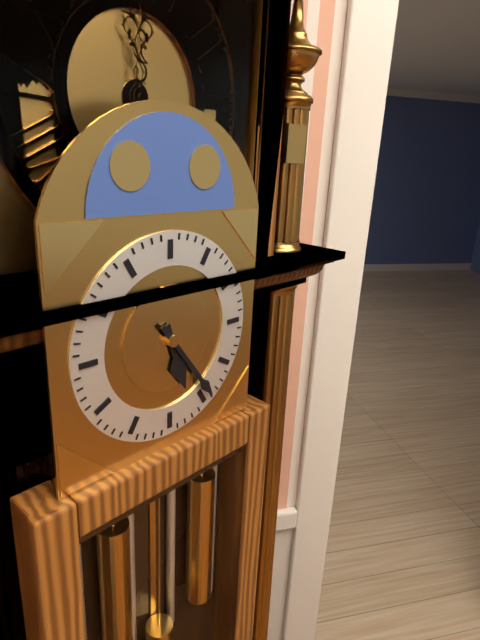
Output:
5:24
